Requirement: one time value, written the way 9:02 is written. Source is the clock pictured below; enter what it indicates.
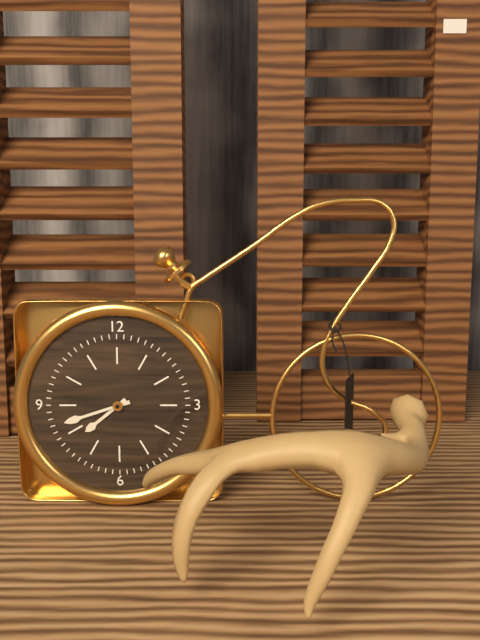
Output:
7:42
